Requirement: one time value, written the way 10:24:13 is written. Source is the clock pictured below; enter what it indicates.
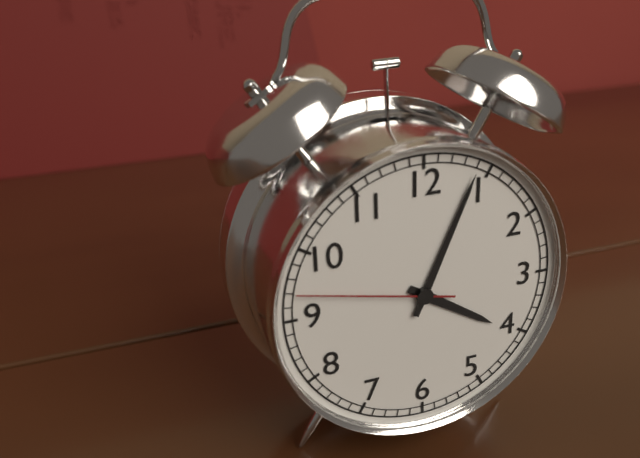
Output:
4:04:47
